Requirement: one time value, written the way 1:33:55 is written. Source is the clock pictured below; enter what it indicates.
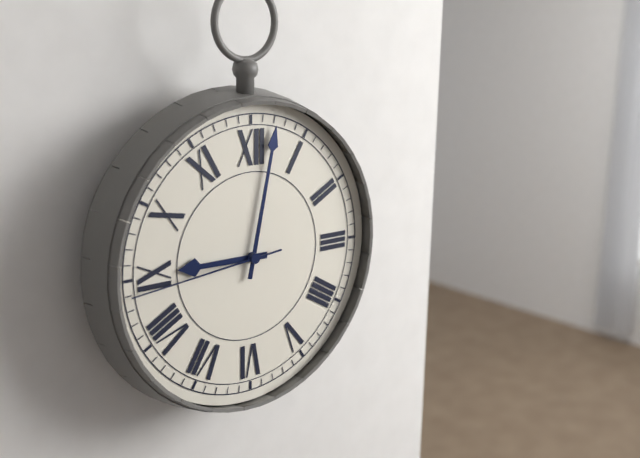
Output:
9:02:44
